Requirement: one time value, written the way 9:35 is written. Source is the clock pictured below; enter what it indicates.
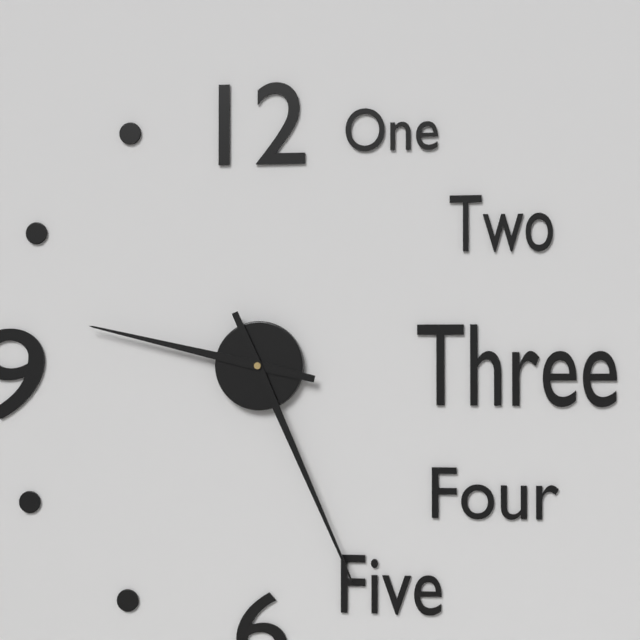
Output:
9:26
